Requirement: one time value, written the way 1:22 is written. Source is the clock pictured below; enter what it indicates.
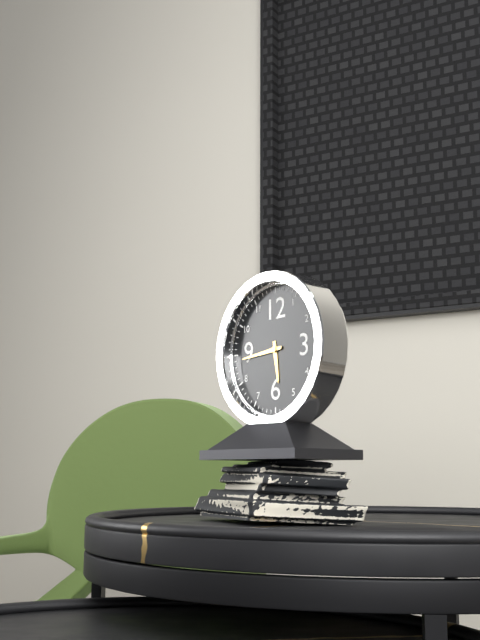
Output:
5:44
